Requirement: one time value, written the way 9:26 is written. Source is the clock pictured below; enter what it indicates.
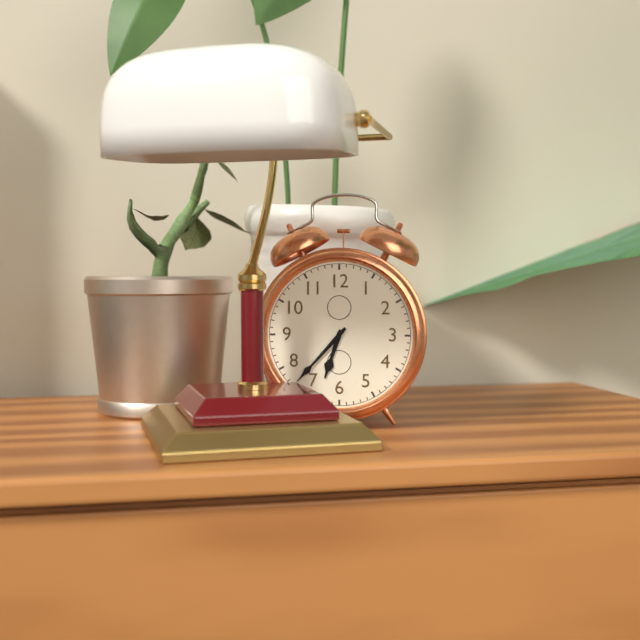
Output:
6:37
